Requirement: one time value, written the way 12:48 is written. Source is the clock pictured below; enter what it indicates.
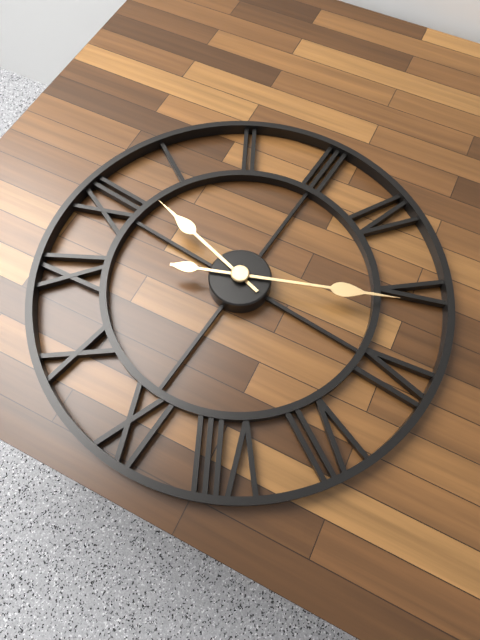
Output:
12:26
